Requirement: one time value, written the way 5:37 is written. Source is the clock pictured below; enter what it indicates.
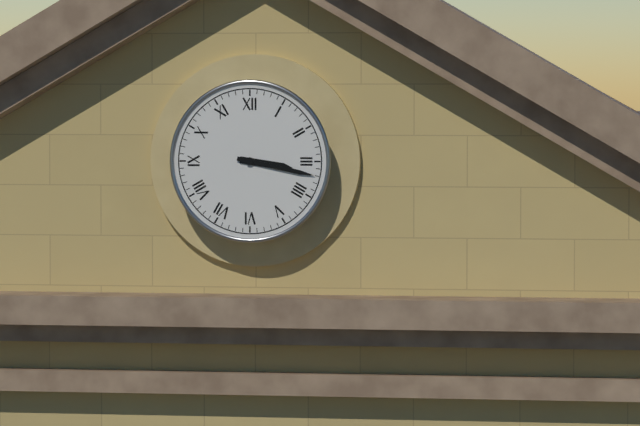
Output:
3:17
